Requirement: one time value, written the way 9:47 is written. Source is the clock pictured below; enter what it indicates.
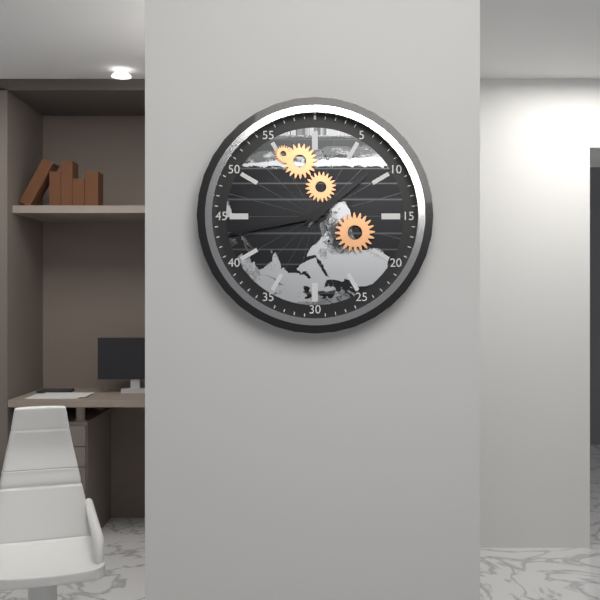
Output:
1:43
